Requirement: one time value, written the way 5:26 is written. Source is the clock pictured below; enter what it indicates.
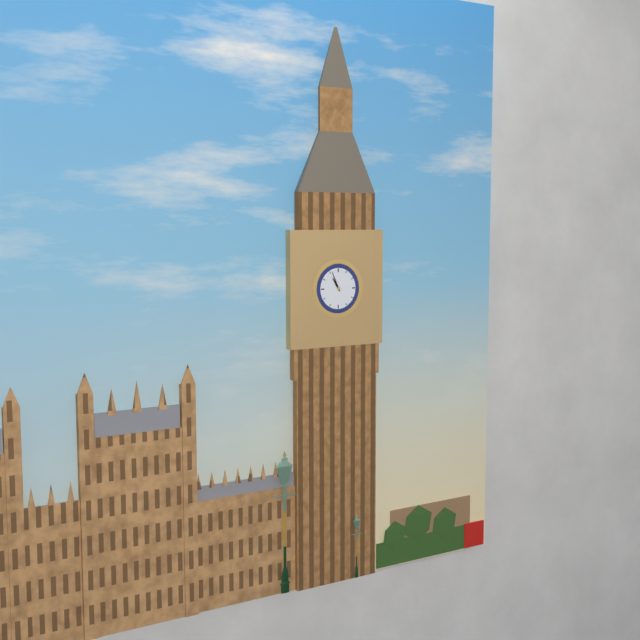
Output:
10:56
